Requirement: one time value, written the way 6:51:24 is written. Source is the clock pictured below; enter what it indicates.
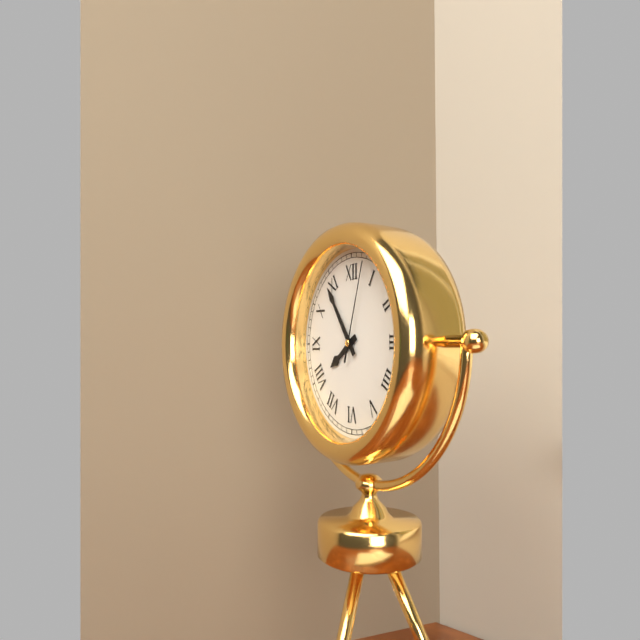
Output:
7:54:03
